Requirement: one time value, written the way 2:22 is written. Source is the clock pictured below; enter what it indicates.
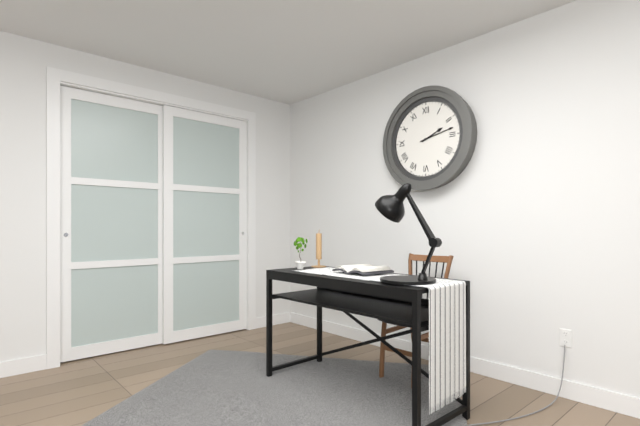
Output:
2:13
